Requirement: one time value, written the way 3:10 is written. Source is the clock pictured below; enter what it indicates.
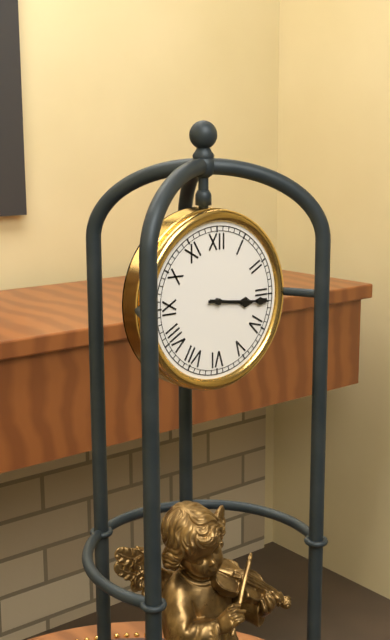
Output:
3:16
